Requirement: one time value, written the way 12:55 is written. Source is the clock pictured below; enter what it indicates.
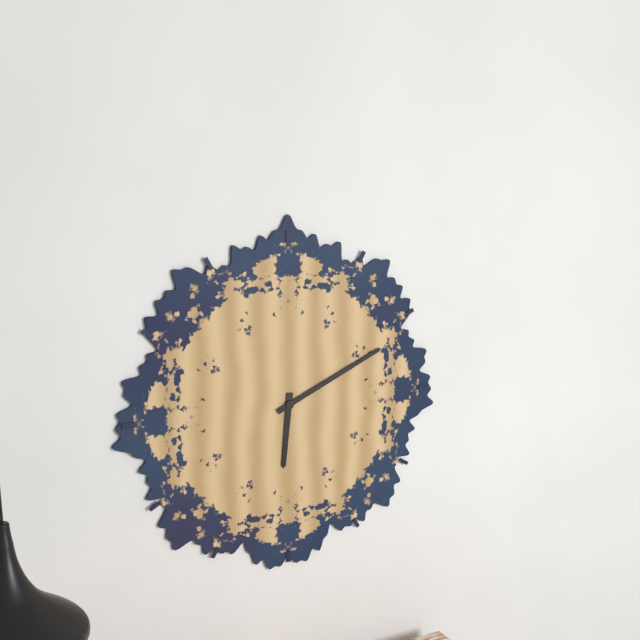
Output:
6:11
